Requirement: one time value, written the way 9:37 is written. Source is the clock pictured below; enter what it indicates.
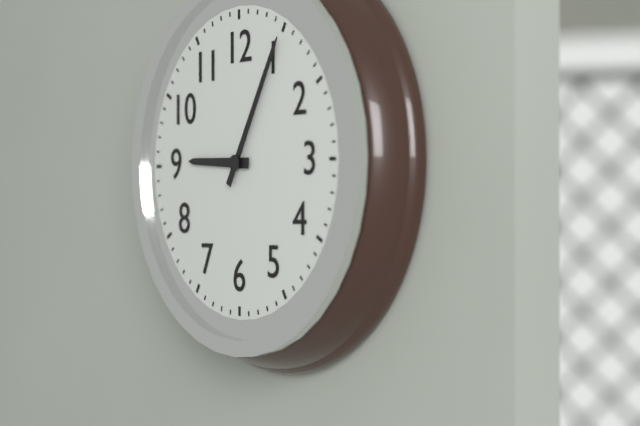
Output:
9:05
